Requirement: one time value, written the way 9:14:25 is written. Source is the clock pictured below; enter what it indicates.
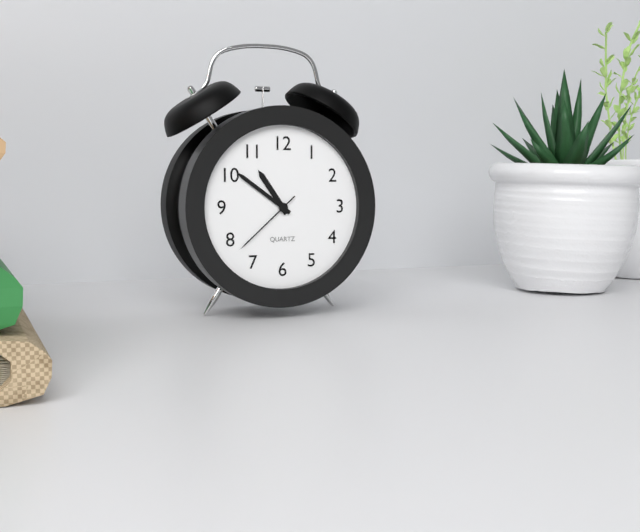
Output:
10:51:38
